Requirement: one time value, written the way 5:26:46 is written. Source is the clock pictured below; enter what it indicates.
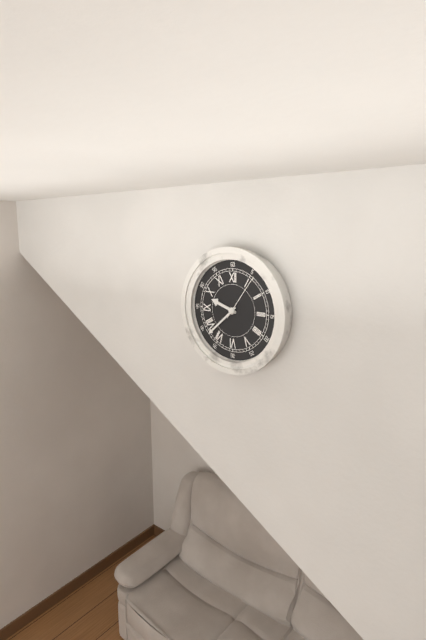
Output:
9:38:06
